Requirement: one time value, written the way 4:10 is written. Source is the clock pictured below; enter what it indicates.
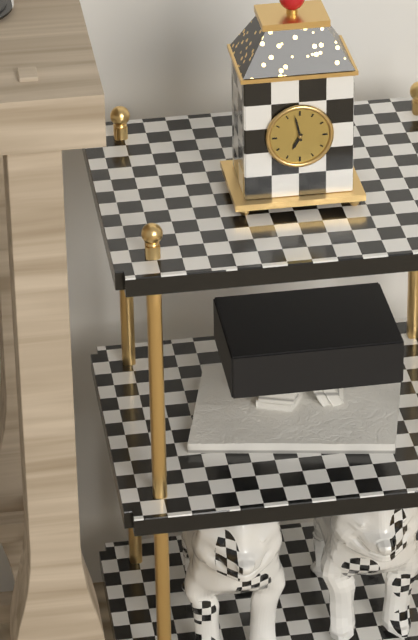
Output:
6:58
